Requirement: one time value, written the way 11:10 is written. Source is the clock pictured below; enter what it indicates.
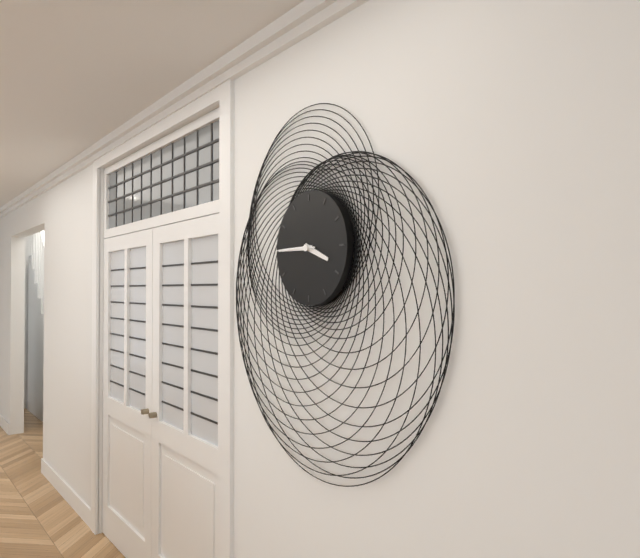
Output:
3:45
